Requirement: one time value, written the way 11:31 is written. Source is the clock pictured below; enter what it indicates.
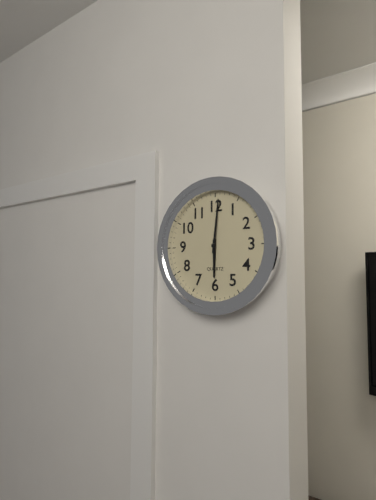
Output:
6:01
